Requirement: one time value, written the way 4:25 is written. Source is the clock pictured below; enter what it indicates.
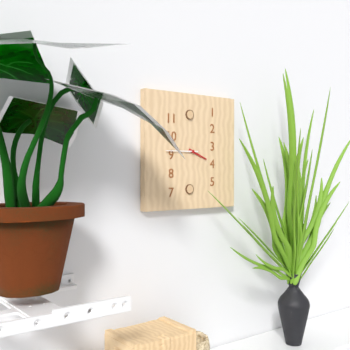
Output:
3:45
